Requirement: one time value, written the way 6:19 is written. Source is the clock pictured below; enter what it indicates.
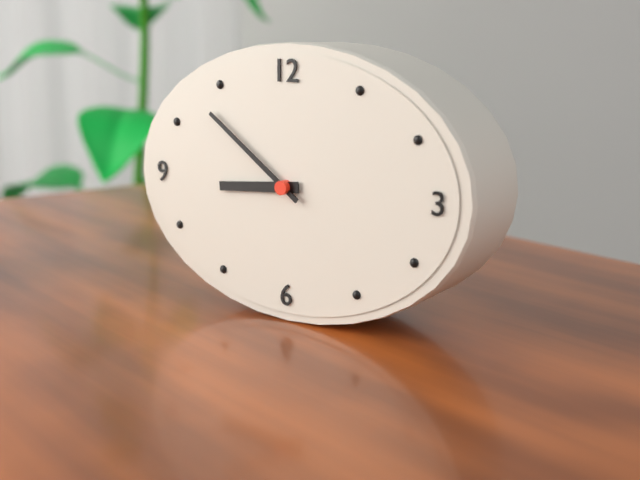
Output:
8:51
